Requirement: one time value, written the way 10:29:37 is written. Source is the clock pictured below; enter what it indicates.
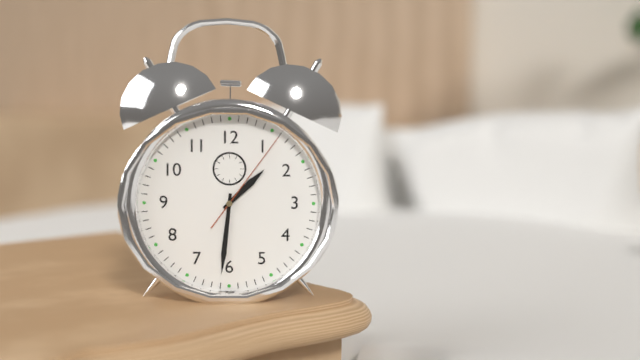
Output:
1:31:06
